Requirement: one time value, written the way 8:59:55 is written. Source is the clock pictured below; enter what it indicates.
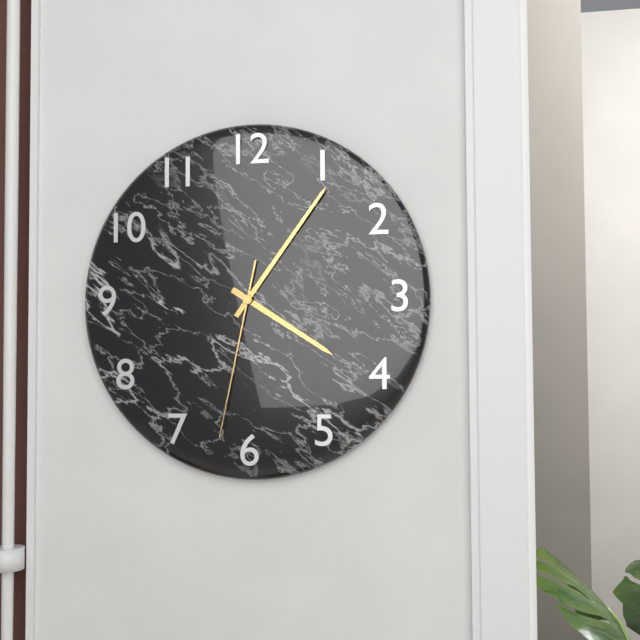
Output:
4:06:32
